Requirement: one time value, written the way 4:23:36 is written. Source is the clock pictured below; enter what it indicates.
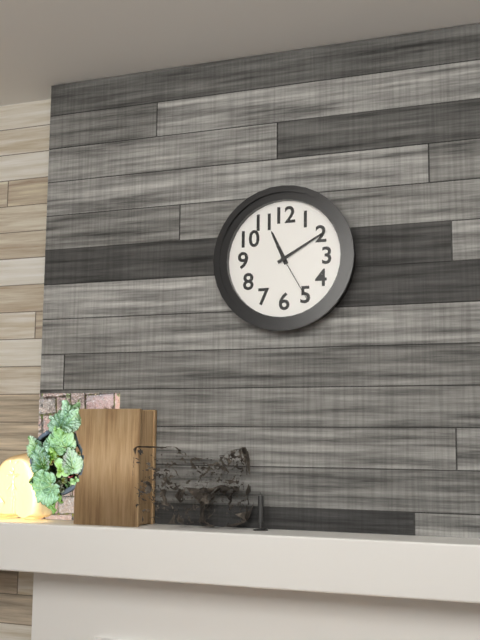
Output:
11:10:25
